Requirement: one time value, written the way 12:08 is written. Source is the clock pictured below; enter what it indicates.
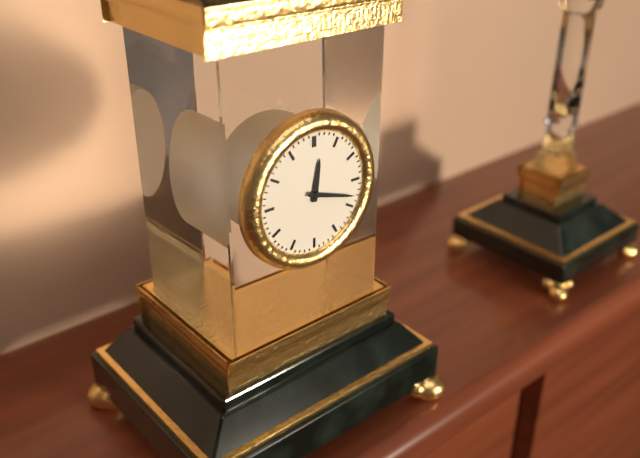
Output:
12:18
